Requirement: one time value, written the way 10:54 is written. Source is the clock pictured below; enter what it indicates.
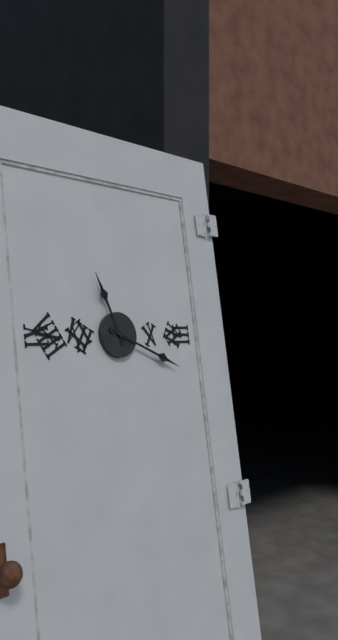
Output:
11:19
